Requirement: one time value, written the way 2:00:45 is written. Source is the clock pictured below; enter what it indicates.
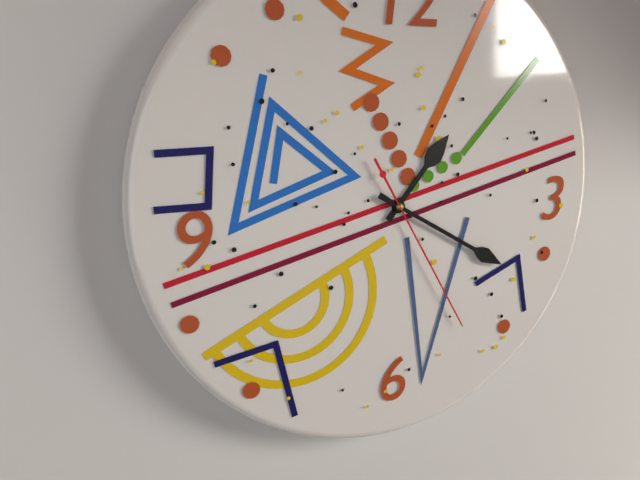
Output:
1:20:25
